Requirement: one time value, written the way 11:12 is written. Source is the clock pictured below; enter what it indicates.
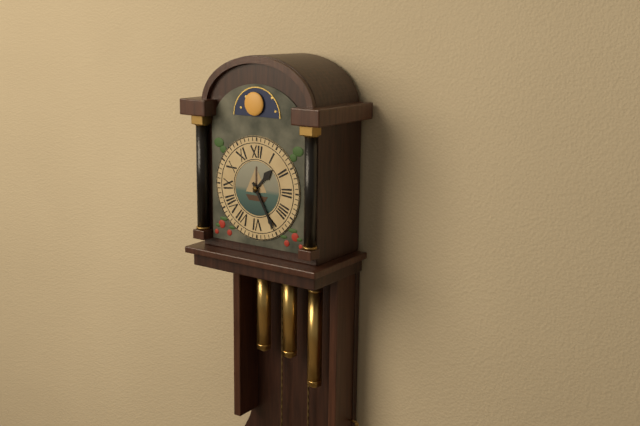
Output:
1:25
